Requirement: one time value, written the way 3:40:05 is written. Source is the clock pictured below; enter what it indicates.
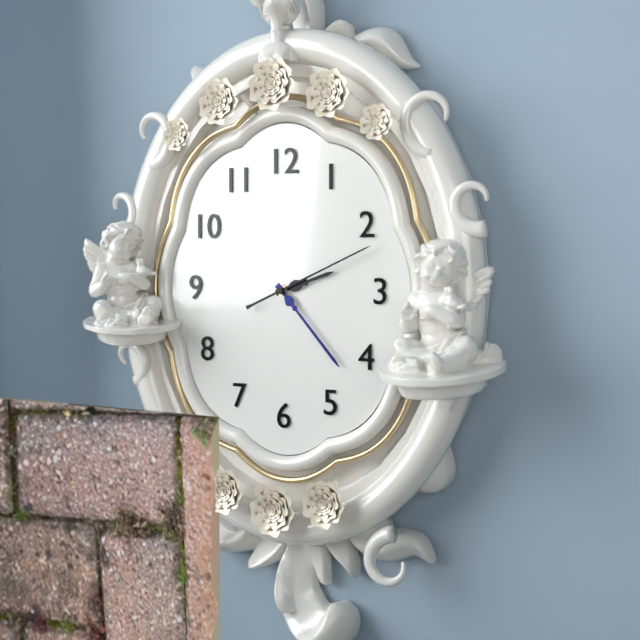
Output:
2:23:11
